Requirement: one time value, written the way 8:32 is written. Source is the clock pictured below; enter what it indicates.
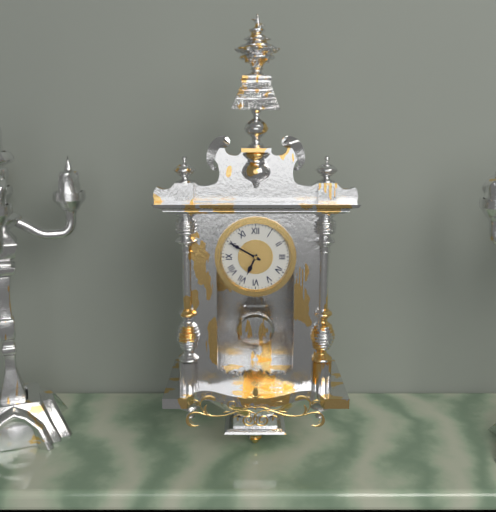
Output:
6:50
